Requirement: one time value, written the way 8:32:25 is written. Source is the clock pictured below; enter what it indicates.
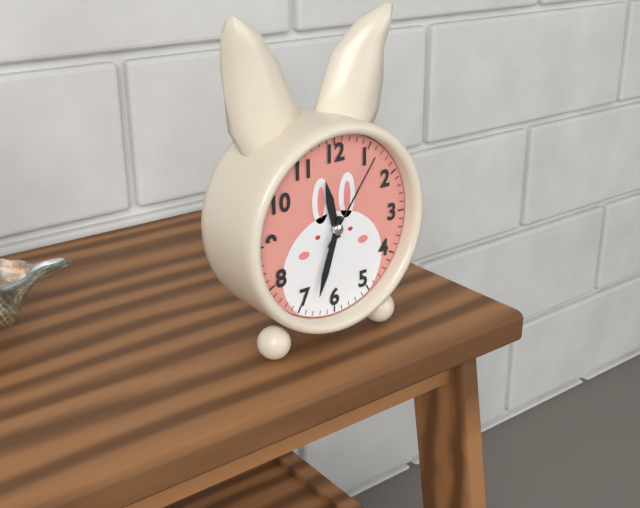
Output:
11:33:06
